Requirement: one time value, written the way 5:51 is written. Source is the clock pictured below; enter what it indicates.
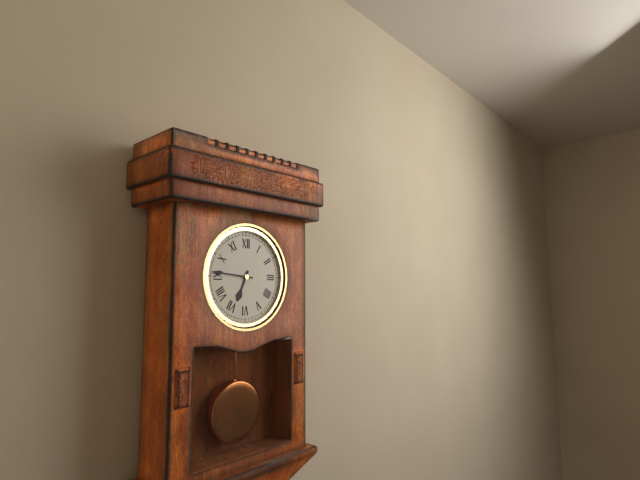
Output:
6:46
